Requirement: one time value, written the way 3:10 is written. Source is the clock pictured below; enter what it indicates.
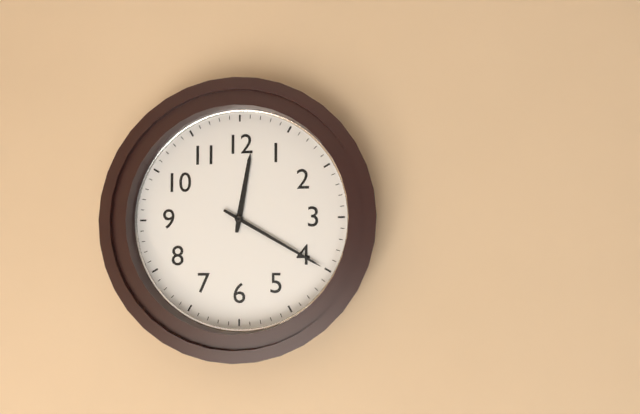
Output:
12:20
